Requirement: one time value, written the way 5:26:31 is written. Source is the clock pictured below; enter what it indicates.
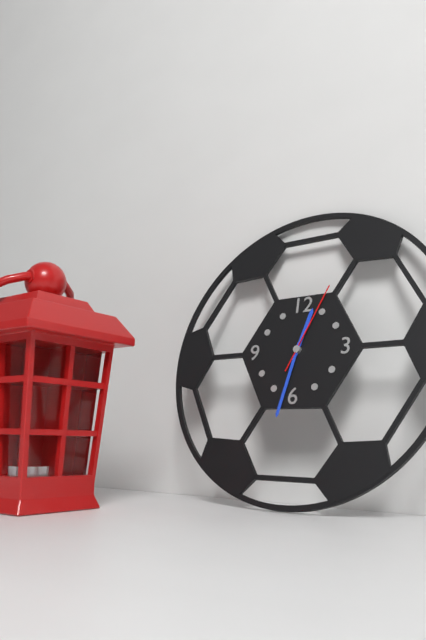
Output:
12:32:04
